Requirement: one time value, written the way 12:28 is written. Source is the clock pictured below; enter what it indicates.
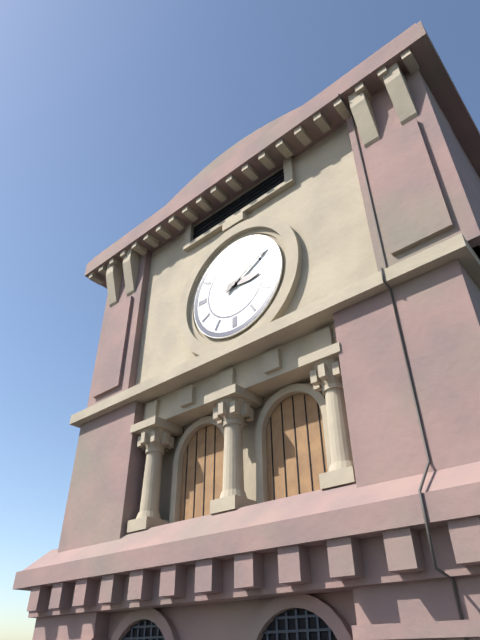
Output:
3:10
